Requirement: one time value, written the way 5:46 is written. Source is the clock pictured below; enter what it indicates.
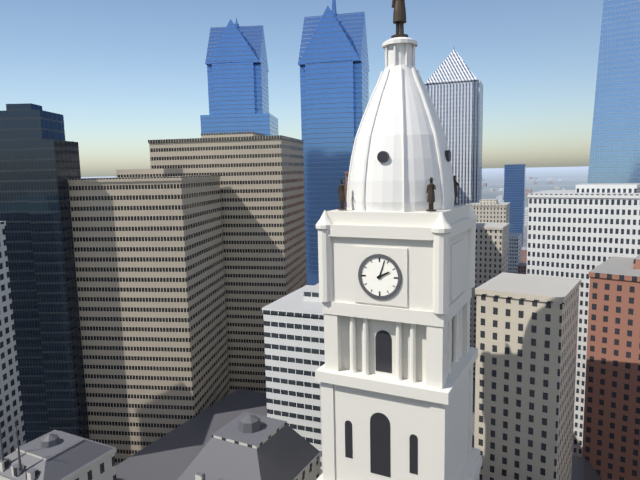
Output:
2:03
